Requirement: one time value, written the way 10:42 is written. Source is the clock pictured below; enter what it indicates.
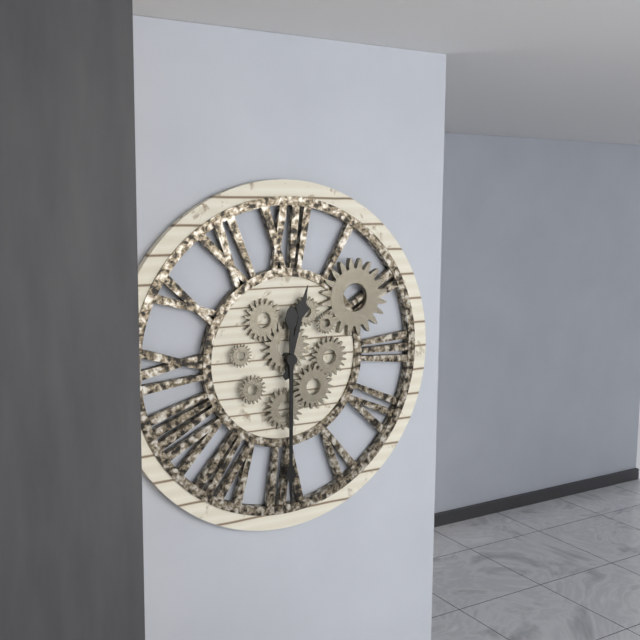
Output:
12:30
